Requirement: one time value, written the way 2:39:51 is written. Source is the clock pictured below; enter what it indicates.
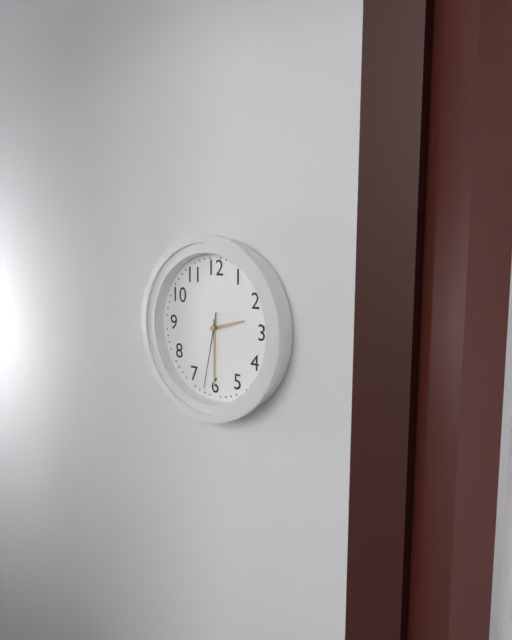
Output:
2:30:32
